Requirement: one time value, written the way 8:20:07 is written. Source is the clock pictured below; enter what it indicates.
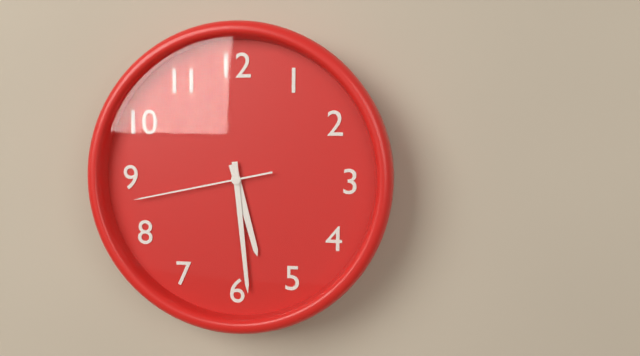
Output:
5:29:43
